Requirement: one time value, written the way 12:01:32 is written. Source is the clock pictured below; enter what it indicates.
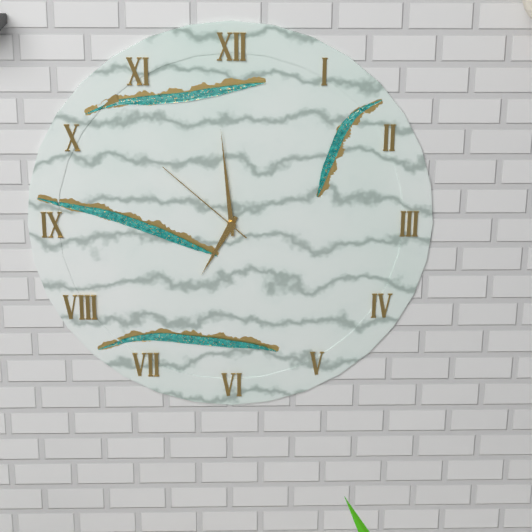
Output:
6:59:52
